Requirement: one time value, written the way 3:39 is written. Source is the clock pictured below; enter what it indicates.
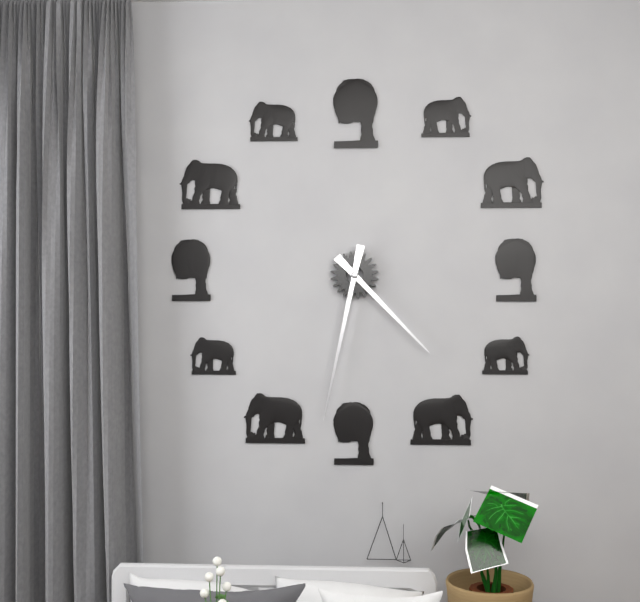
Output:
4:32
